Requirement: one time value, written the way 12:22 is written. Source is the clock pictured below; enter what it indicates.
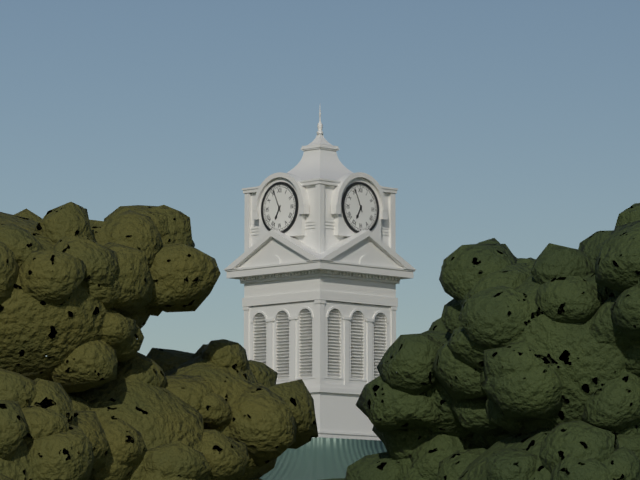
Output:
6:56
